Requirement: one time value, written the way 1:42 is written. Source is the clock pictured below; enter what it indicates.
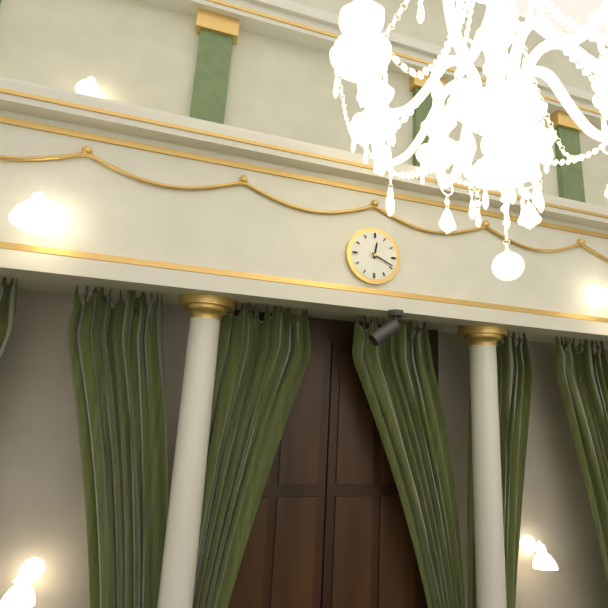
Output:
12:19
